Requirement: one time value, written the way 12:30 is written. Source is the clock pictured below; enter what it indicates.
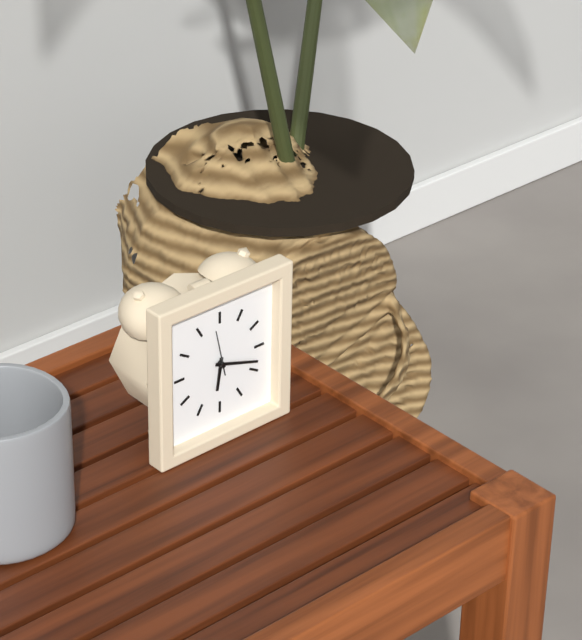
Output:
6:18
